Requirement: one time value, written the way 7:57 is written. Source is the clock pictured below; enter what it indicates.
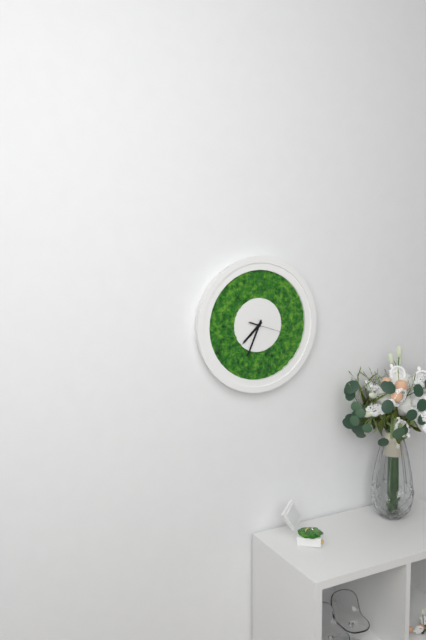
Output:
7:34
